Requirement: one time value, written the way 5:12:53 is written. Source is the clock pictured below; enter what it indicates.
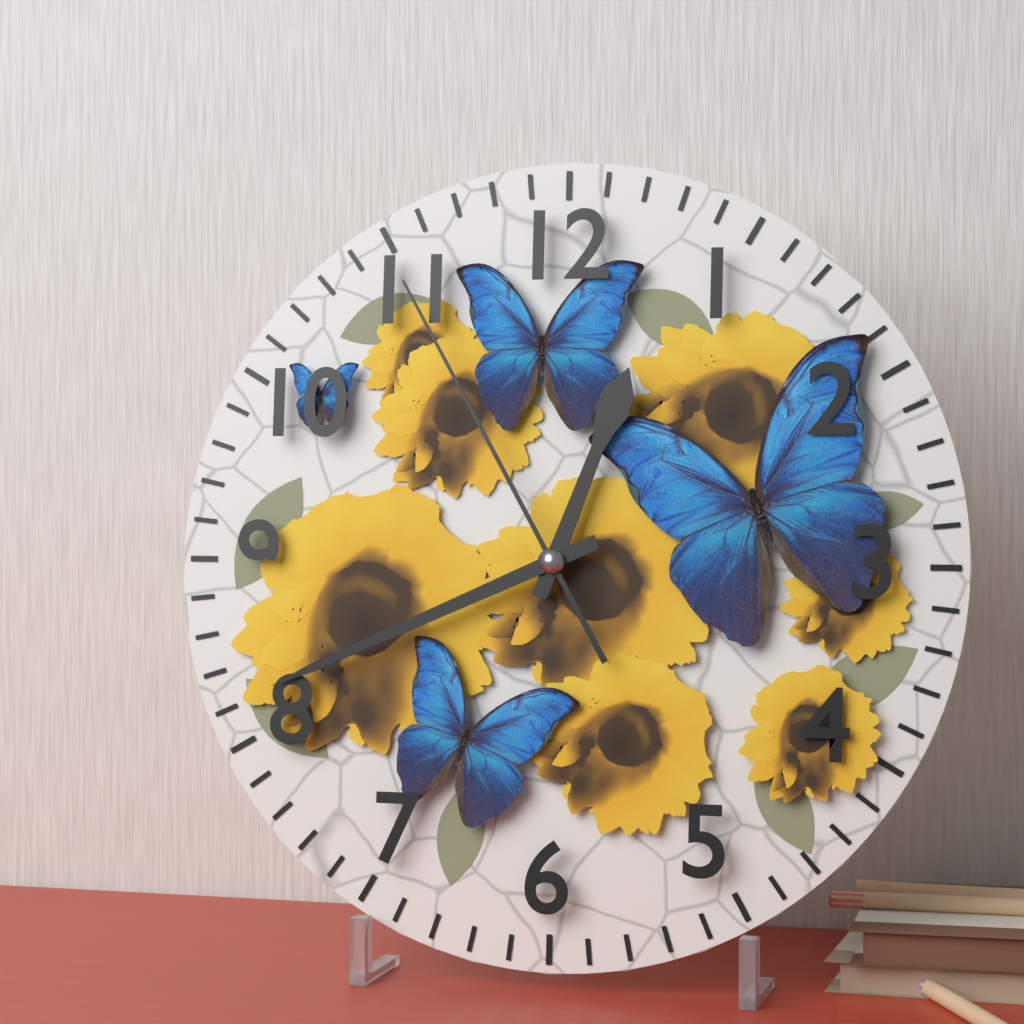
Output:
12:41:55
